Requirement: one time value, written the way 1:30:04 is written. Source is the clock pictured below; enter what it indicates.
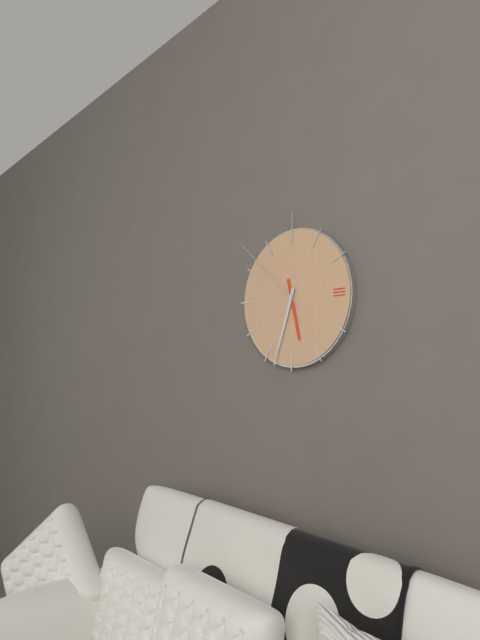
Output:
5:33:52
